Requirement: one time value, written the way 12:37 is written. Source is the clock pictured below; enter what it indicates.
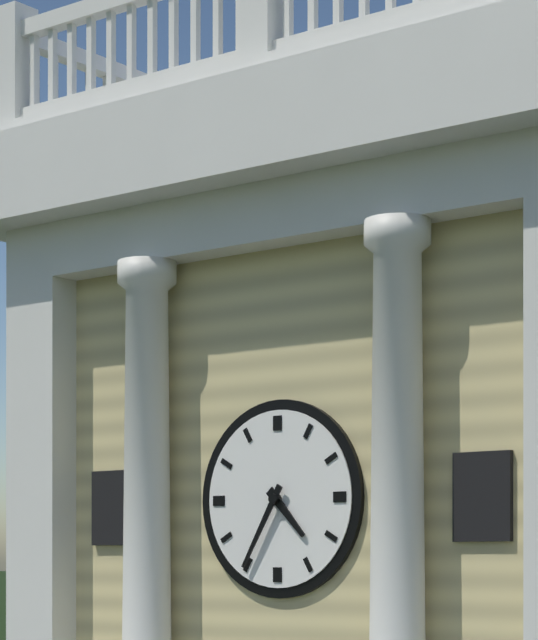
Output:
4:35
